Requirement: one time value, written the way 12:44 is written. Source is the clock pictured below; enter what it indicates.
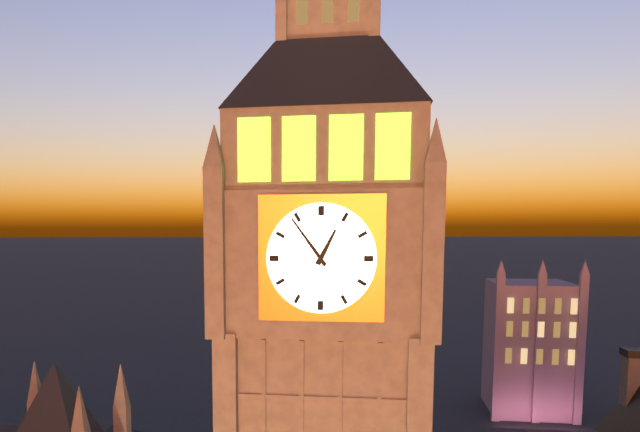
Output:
12:54
